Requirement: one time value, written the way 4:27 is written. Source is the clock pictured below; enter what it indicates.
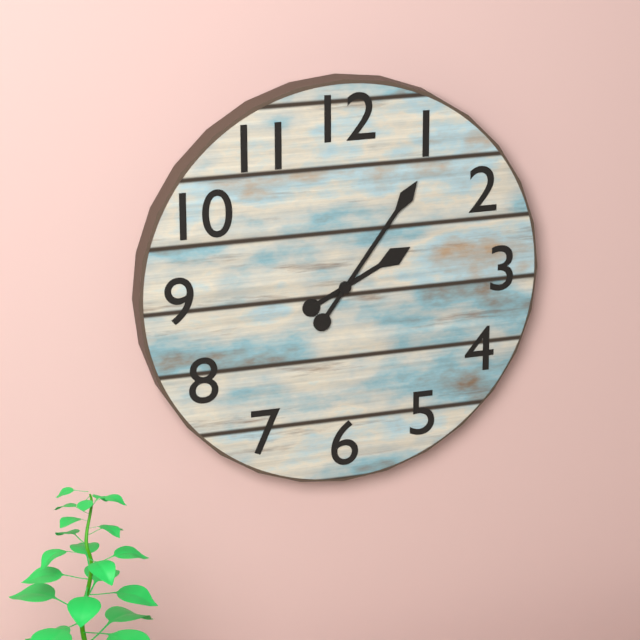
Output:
2:06
